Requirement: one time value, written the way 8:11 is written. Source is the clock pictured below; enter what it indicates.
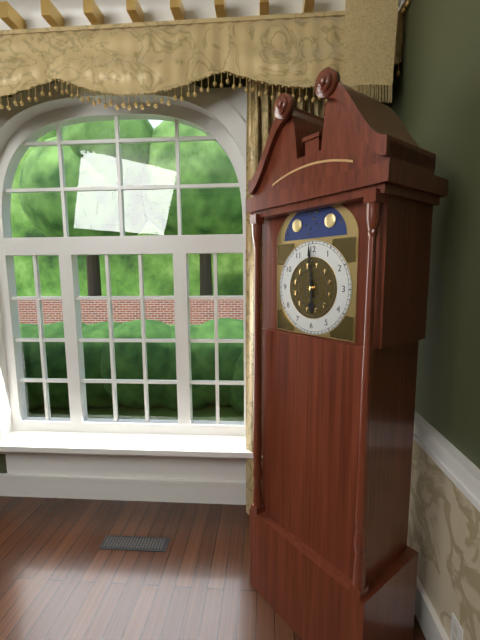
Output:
5:59
